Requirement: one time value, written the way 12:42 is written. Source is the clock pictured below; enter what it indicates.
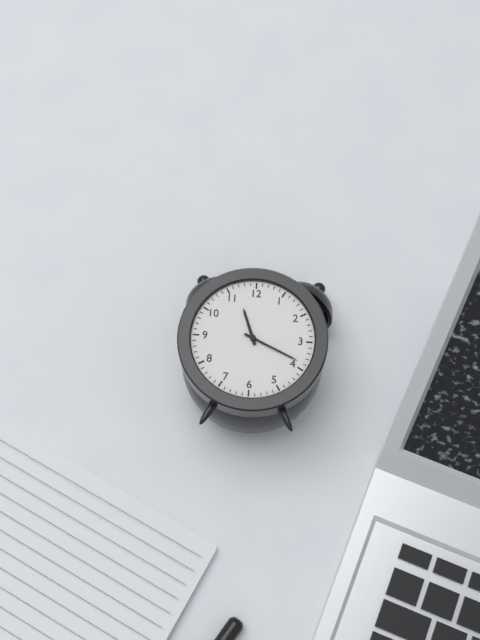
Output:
11:19
